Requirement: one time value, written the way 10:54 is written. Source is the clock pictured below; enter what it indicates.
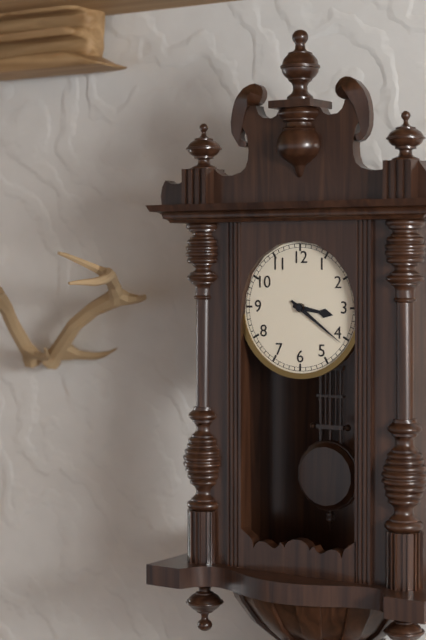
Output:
3:21
